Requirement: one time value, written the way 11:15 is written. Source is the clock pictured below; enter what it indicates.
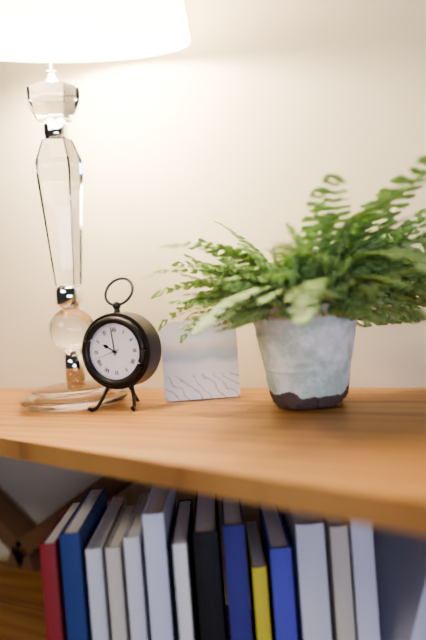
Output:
9:59
